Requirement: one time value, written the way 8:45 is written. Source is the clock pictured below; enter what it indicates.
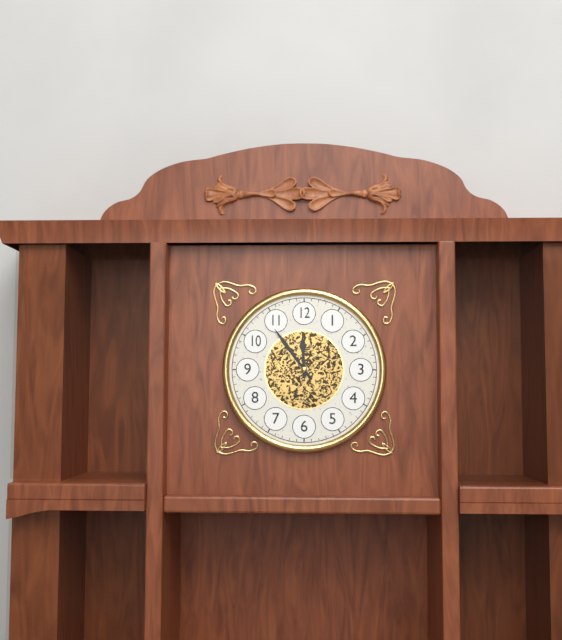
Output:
11:54
